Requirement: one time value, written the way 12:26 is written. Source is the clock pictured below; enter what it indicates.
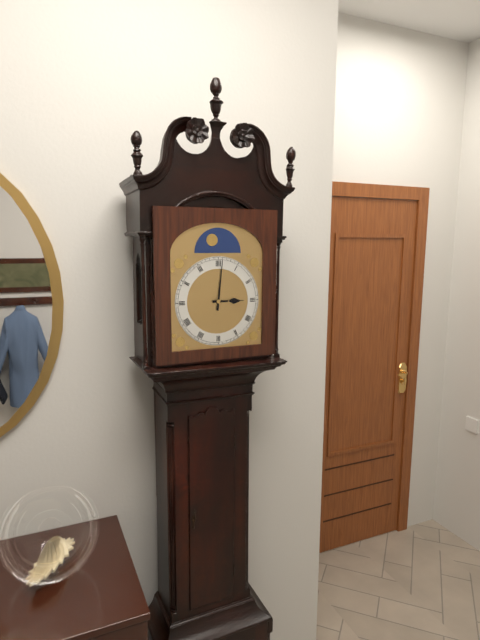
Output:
3:01
